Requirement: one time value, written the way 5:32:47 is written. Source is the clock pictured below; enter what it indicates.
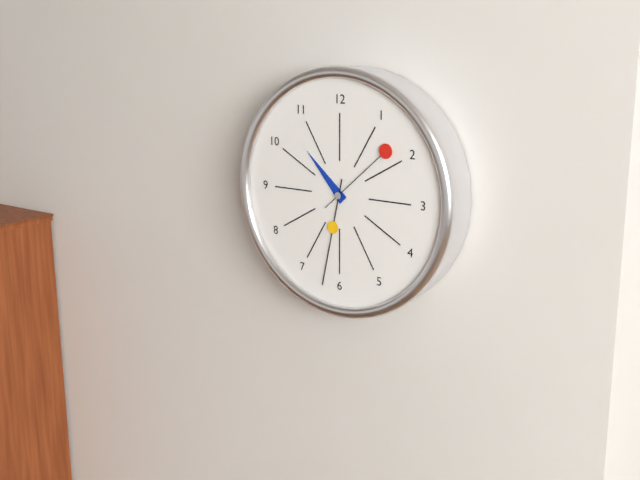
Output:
10:32:08
